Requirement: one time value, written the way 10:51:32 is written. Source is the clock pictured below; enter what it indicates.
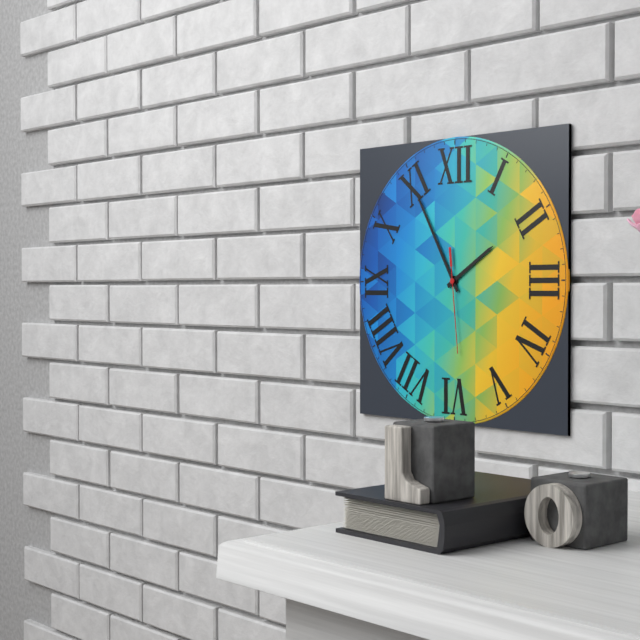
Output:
1:55:29
